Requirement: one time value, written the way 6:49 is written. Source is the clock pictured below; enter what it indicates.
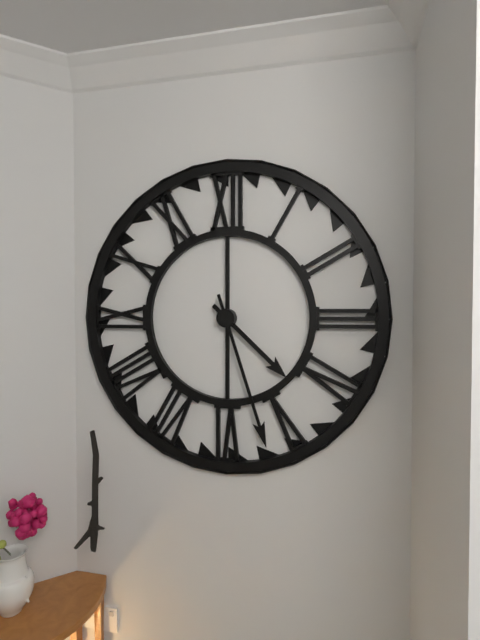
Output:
4:27
